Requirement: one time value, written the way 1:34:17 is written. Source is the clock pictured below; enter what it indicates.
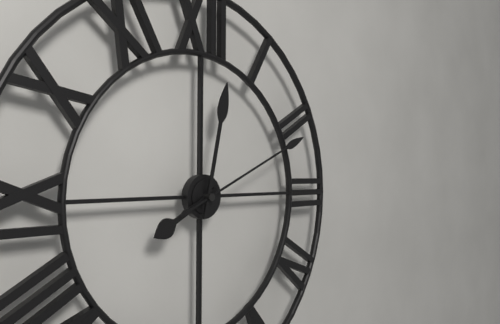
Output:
8:02:11
